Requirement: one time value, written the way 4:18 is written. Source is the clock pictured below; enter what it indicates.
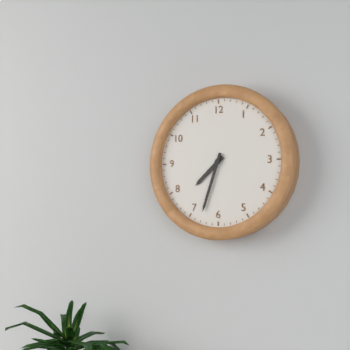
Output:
7:33
